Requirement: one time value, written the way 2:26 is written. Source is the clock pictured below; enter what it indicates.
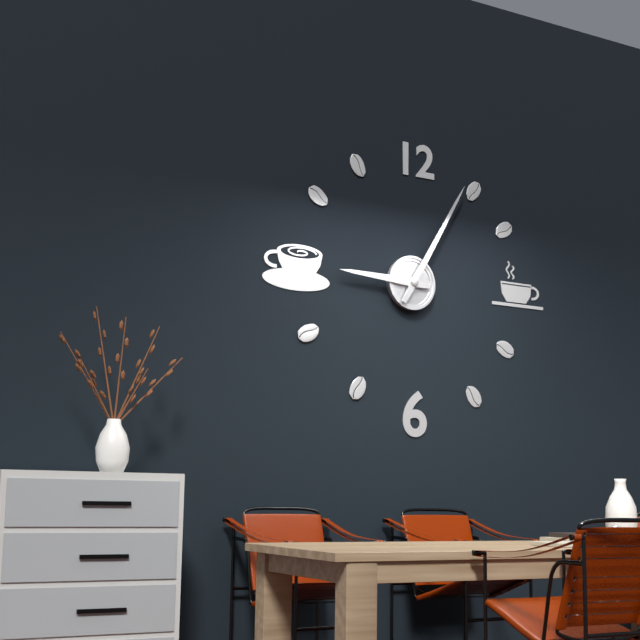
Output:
9:05
